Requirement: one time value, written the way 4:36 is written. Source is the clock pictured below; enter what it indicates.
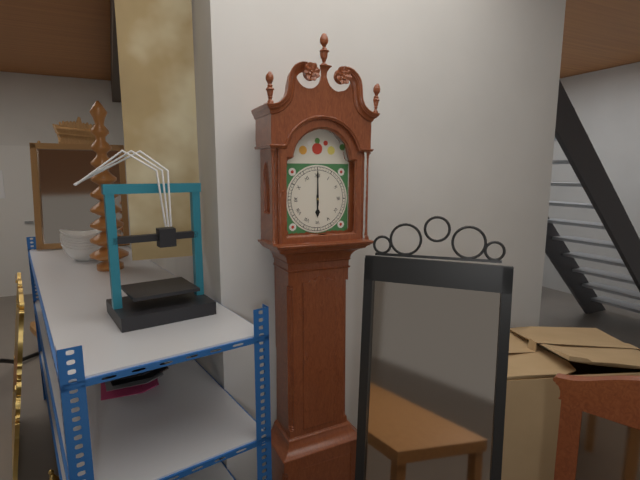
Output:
6:00
